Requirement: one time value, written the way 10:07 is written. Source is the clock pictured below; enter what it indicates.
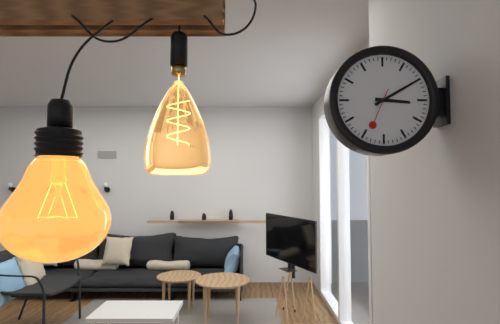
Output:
3:10
